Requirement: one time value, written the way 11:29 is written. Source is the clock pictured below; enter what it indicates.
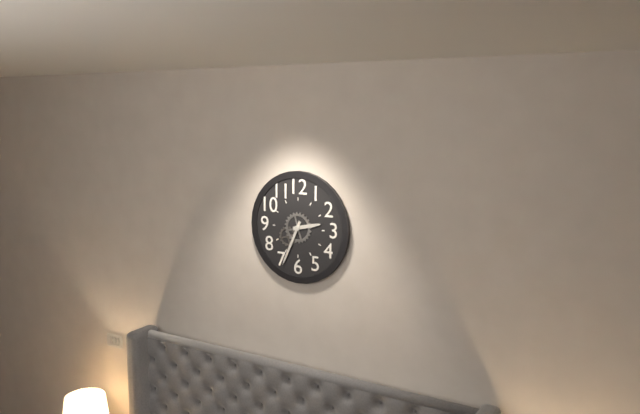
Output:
2:34
